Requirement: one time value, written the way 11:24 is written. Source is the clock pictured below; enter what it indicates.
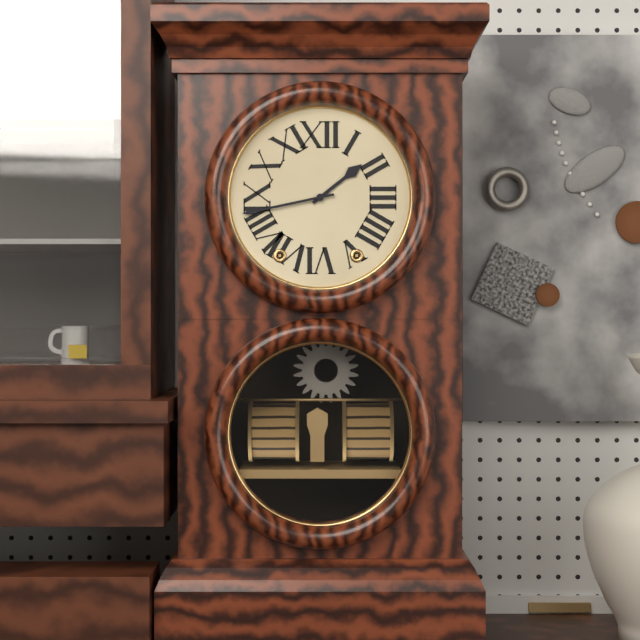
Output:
1:43
